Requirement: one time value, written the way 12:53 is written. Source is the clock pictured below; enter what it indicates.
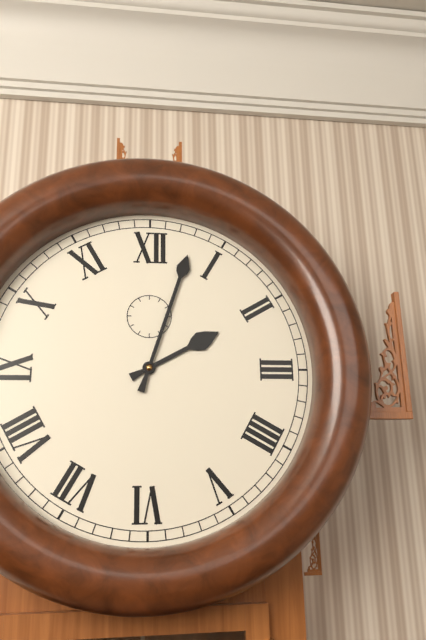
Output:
2:03
